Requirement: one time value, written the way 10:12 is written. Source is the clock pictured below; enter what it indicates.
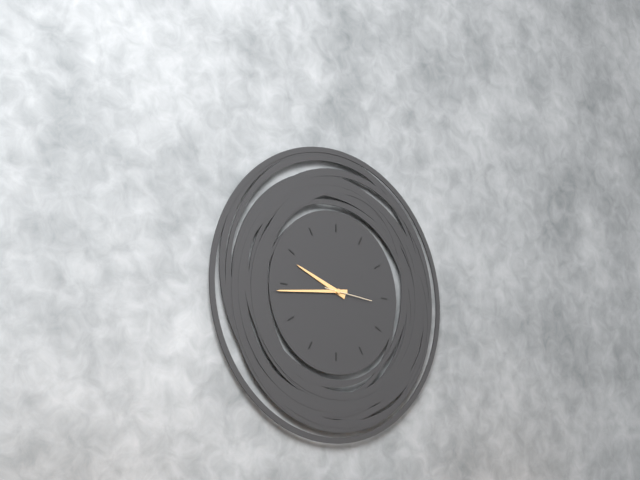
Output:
9:44
